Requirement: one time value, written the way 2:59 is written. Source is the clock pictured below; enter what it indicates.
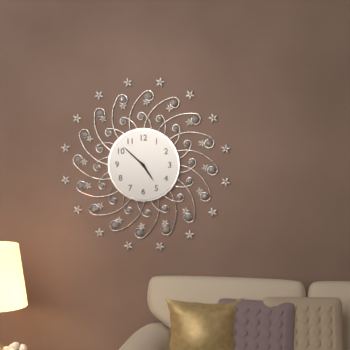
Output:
4:52
